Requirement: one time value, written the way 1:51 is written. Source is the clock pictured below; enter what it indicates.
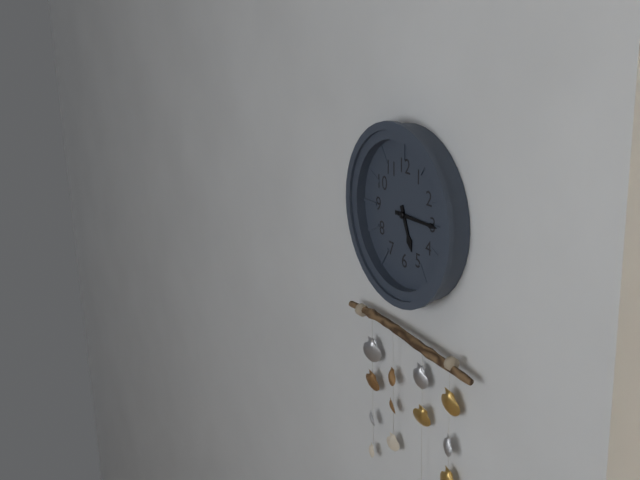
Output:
5:15
